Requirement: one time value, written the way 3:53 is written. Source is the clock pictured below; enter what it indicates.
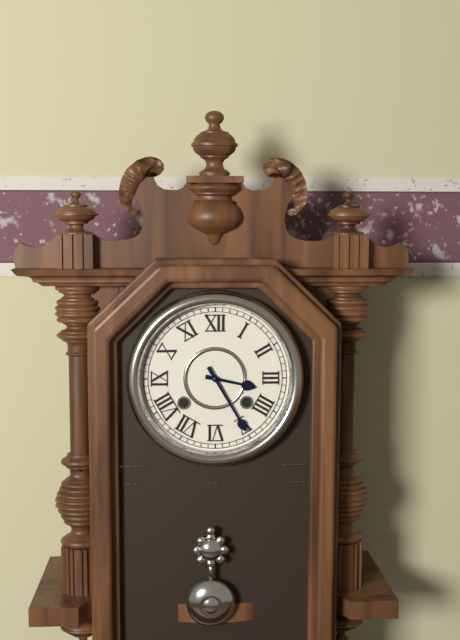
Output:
3:25
